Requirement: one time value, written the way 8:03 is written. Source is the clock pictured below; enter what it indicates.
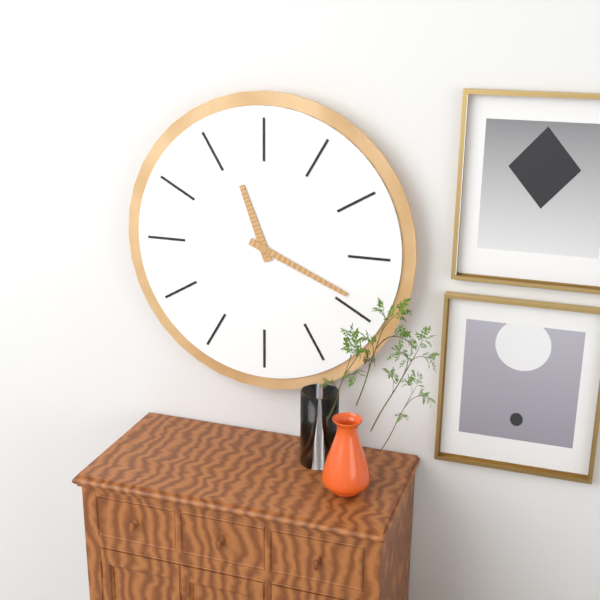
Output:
11:19
